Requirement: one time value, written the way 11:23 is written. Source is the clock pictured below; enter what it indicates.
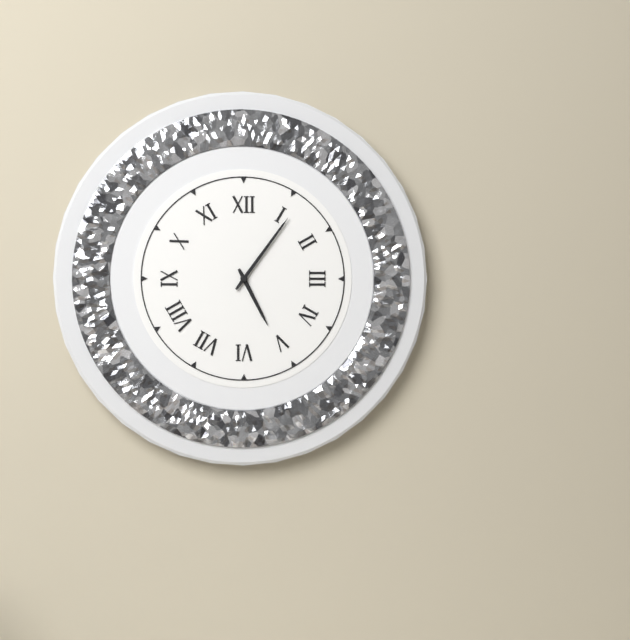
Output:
5:06
